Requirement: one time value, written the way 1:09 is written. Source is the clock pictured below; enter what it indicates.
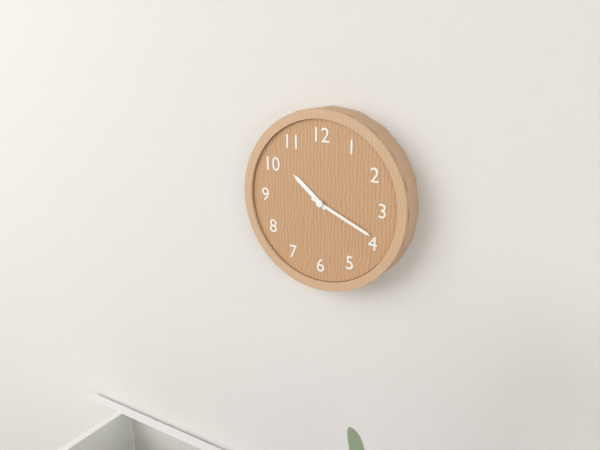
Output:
10:19
